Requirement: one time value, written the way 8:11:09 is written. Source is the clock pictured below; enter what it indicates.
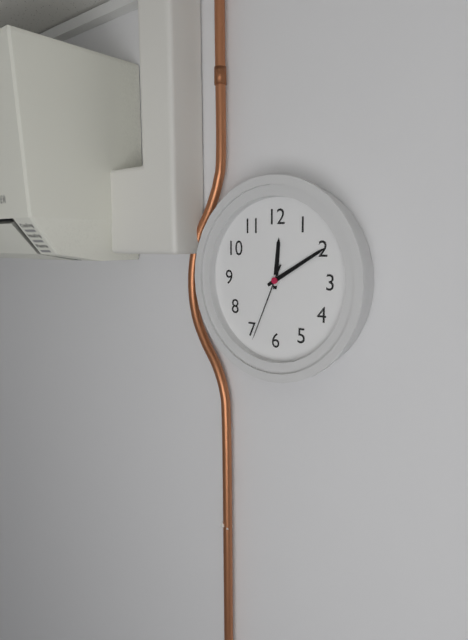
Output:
12:10:34
